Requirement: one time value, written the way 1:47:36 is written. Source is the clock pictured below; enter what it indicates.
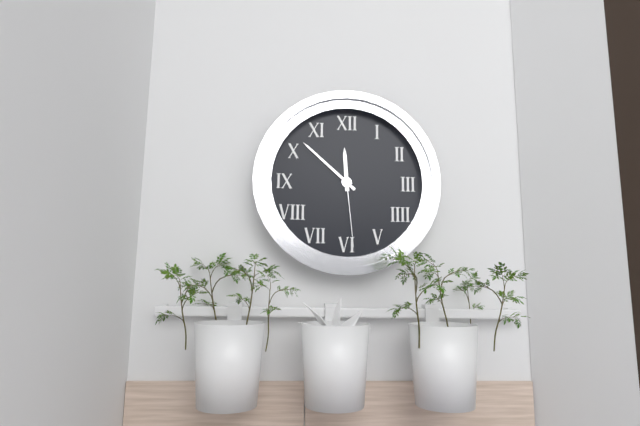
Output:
11:52:29
